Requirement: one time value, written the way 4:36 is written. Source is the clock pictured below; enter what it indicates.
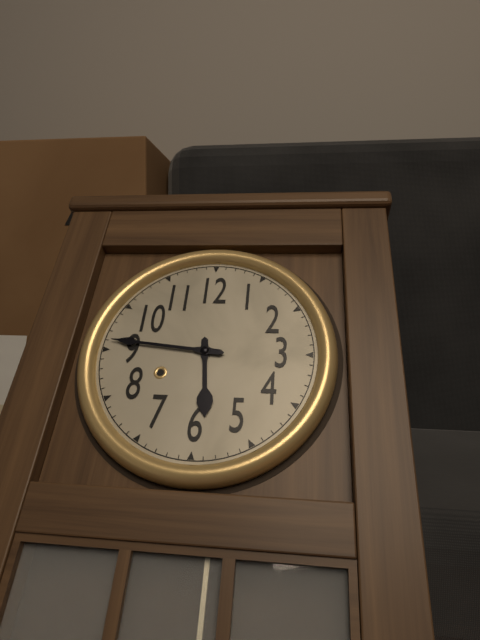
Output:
5:46
